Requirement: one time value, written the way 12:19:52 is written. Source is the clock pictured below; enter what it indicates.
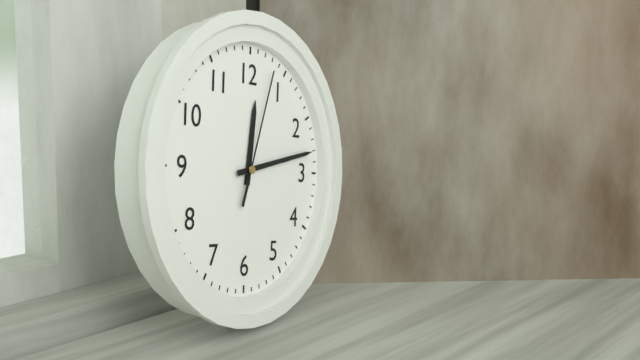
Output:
12:13:03
